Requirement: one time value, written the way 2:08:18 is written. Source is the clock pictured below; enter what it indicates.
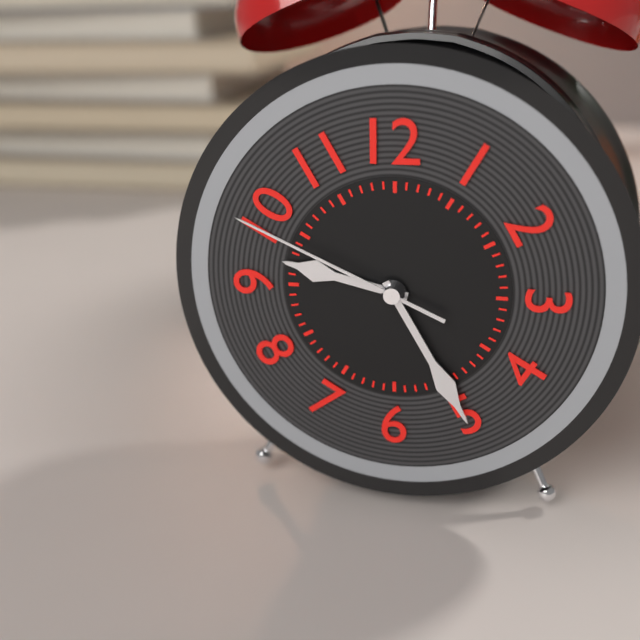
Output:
9:25:49
